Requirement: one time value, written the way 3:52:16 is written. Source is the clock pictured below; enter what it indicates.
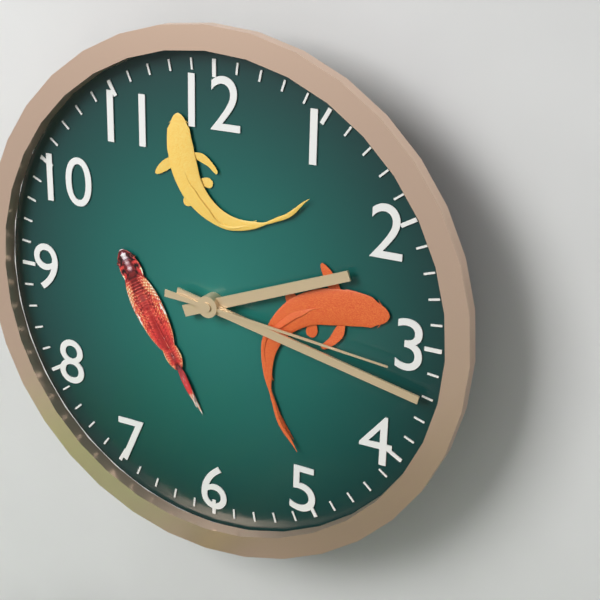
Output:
2:17:16
